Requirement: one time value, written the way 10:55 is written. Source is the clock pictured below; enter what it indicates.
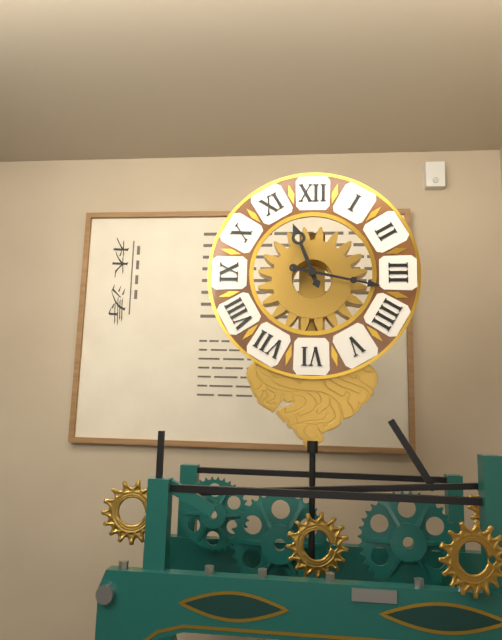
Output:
11:17
